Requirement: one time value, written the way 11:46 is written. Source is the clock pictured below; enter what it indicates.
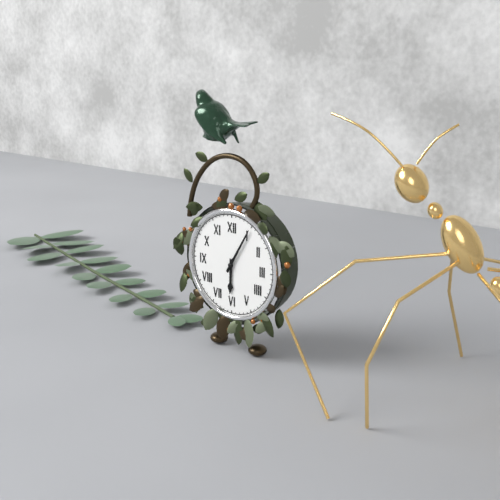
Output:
6:05
